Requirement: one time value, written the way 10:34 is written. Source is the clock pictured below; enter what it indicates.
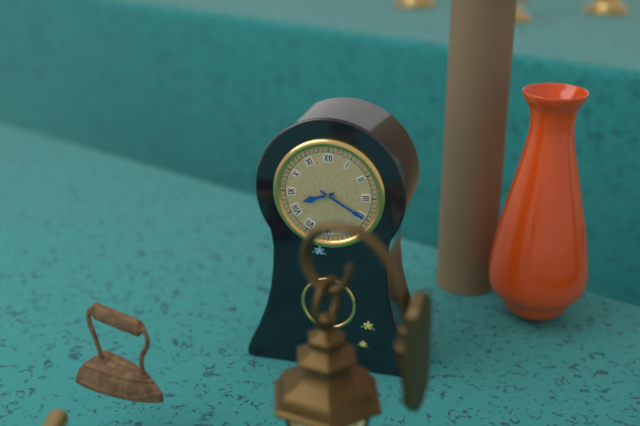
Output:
8:20
